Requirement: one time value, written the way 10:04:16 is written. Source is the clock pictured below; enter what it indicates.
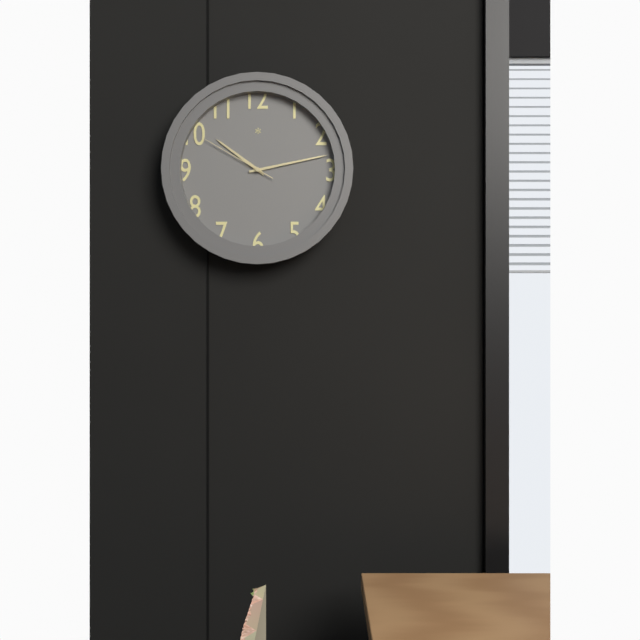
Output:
10:13:50
